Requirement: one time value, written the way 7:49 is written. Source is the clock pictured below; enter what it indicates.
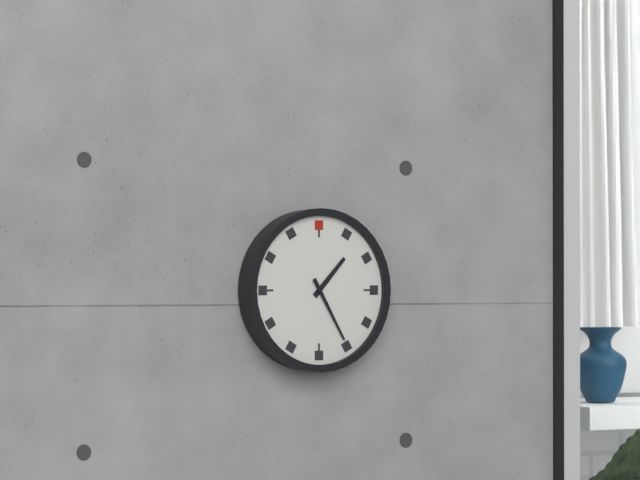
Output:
1:25
